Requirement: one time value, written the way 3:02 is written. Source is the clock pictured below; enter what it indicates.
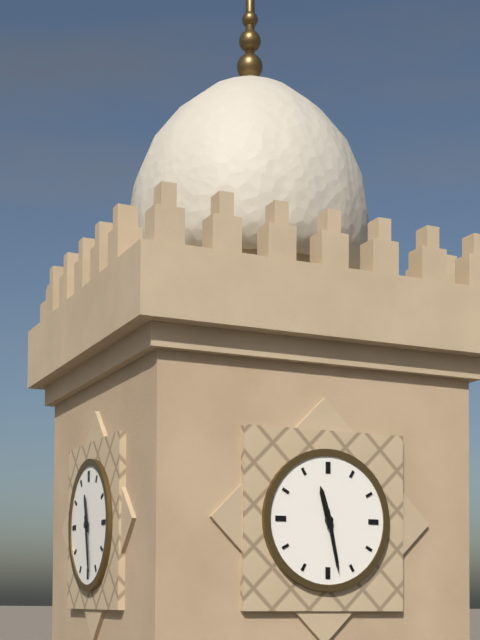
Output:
11:28
